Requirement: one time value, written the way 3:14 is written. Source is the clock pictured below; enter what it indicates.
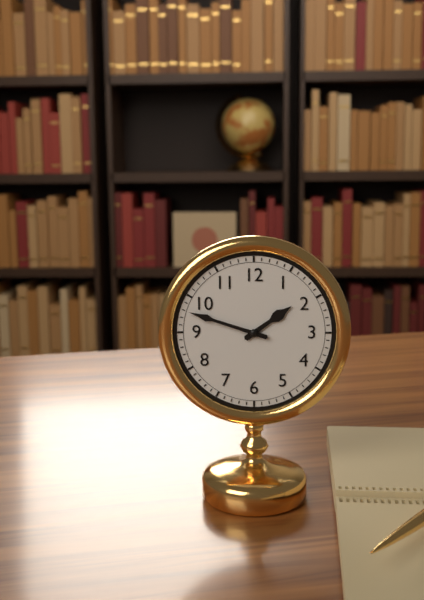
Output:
1:48
